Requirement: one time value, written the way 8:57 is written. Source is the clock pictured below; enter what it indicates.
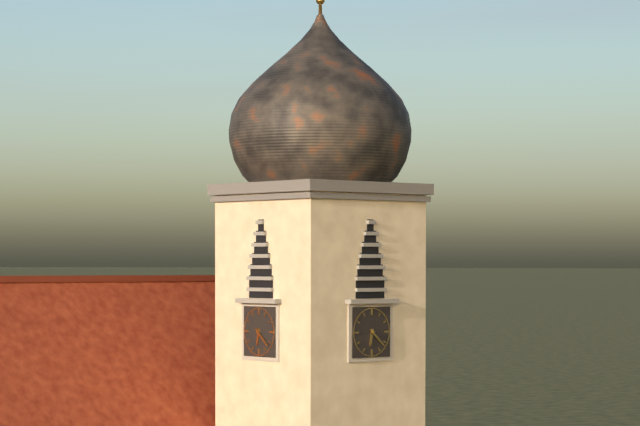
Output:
6:22
